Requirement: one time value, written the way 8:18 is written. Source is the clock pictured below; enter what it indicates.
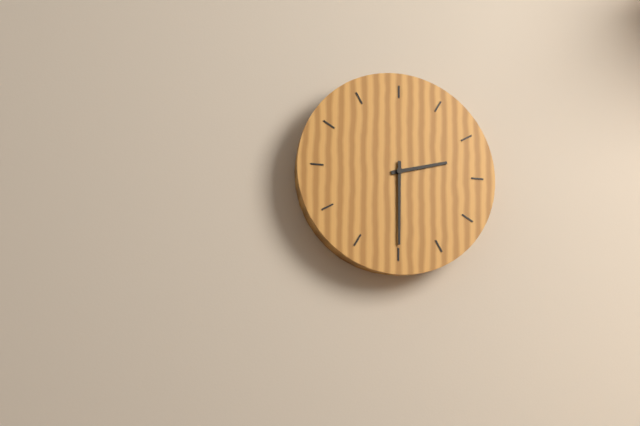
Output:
2:30
